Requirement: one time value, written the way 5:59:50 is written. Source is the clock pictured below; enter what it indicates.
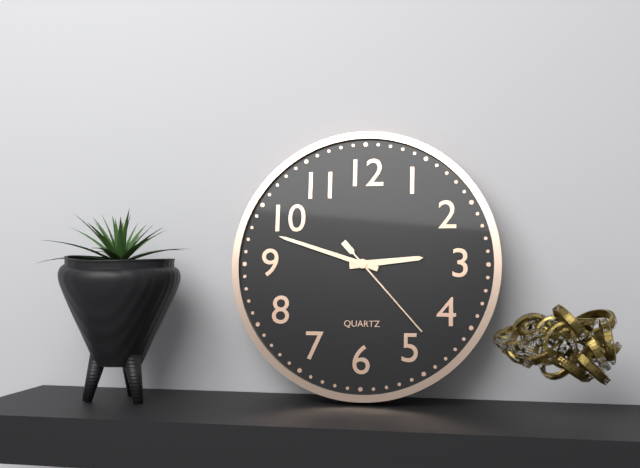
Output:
2:48:23
